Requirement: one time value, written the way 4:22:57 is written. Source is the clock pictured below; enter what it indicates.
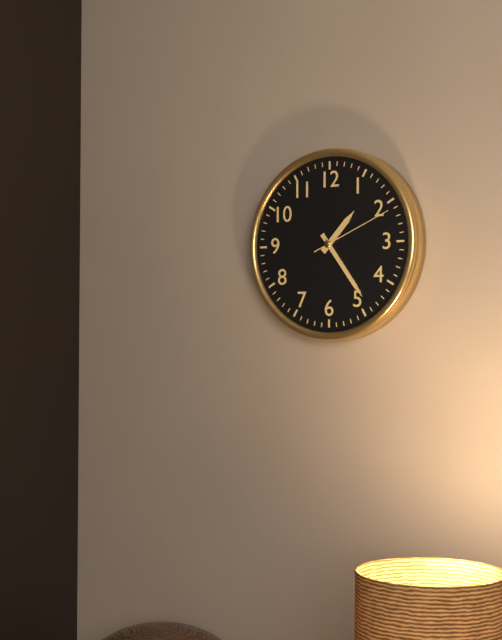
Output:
1:24:11
